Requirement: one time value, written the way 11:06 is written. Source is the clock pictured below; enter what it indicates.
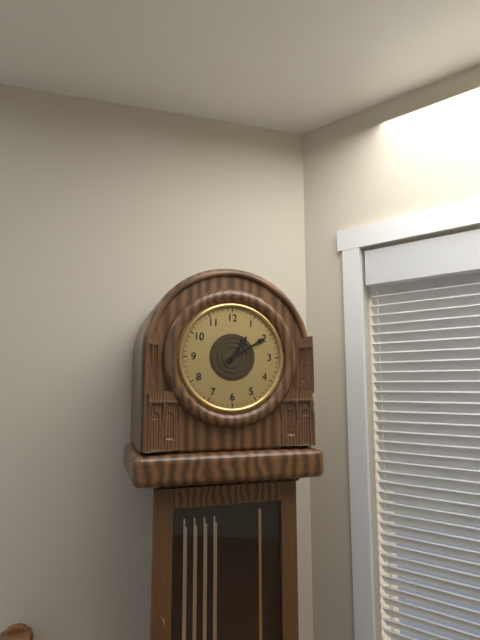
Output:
1:10
